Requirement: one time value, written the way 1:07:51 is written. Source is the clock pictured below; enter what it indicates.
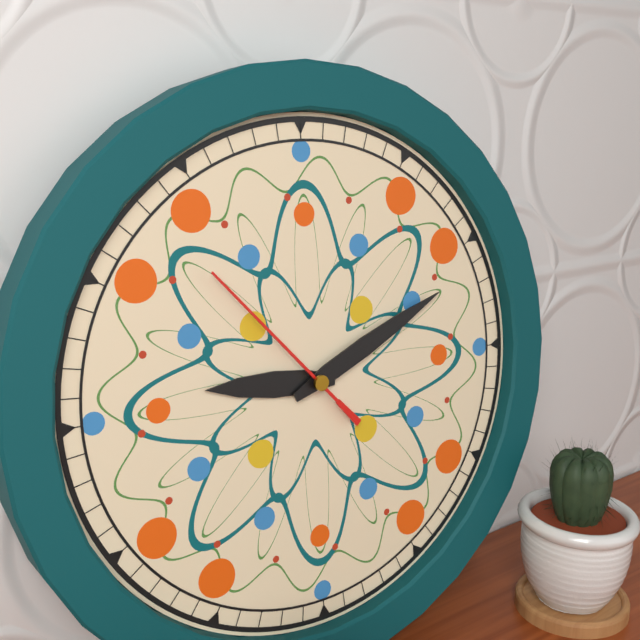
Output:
9:11:53
